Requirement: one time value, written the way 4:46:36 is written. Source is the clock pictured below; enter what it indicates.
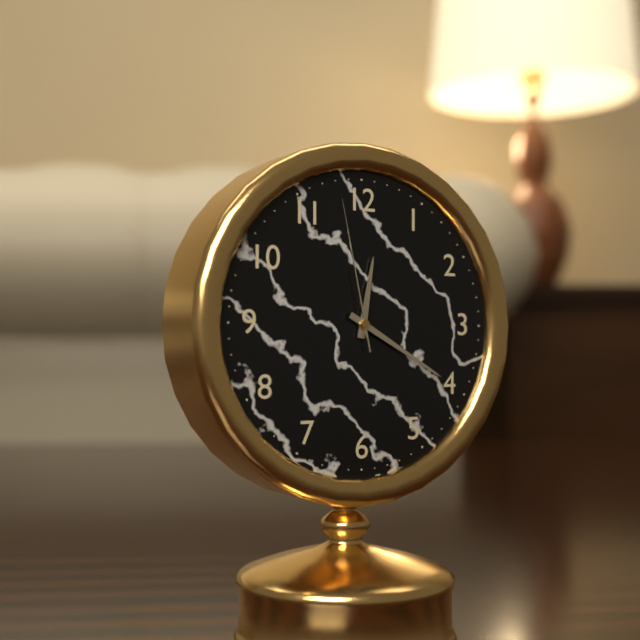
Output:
12:20:58
